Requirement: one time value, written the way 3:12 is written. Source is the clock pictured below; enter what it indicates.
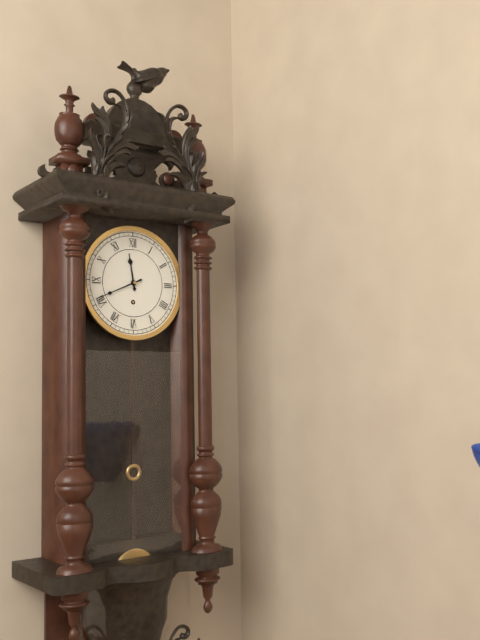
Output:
11:41
